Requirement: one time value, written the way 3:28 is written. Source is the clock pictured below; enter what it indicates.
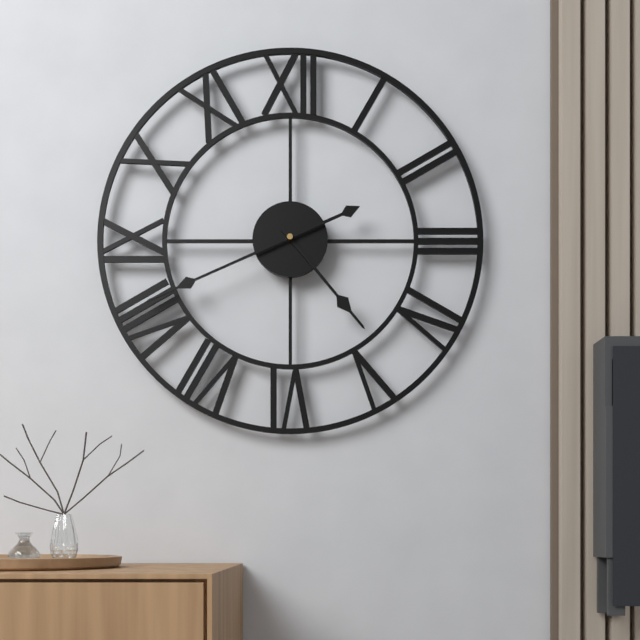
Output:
4:41
